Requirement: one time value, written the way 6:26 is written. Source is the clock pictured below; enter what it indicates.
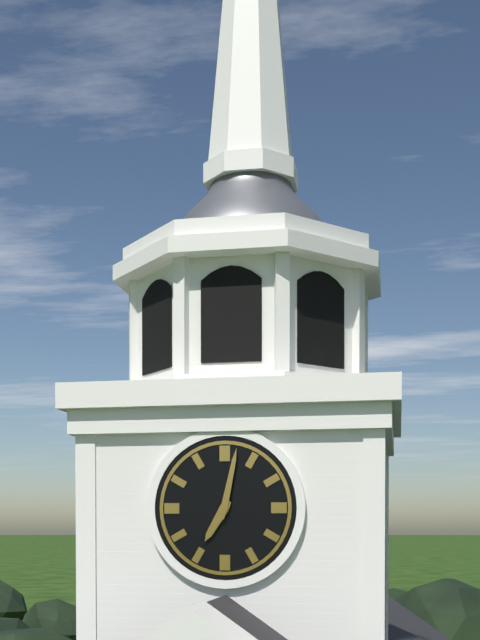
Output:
7:02
